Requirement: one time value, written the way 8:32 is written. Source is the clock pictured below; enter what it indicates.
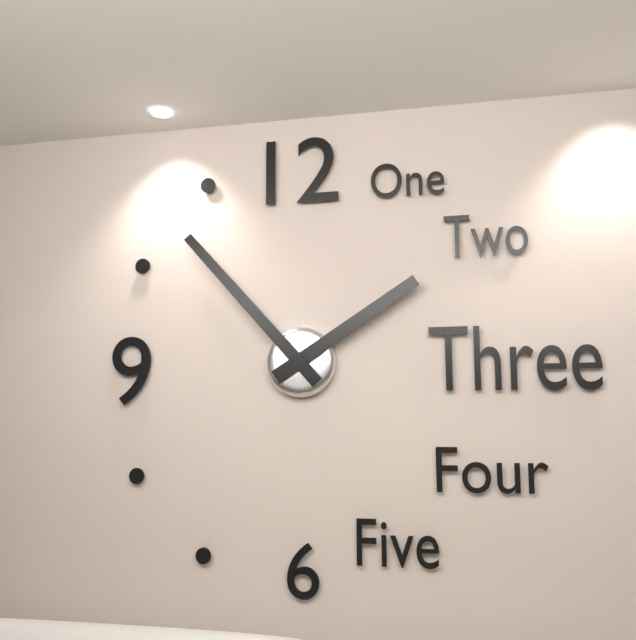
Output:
1:53
